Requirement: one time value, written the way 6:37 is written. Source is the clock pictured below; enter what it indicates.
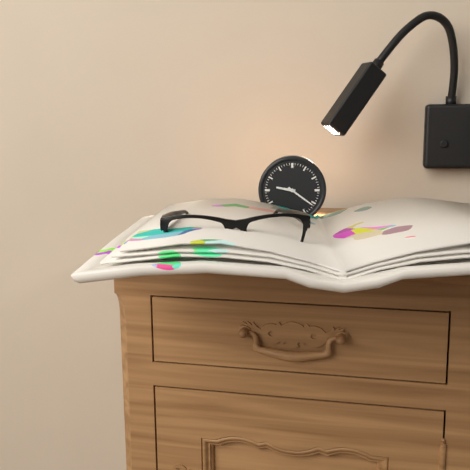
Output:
9:21
